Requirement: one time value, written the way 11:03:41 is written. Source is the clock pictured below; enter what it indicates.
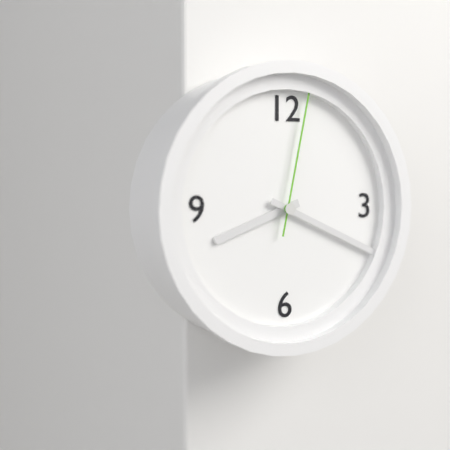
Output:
8:19:02
